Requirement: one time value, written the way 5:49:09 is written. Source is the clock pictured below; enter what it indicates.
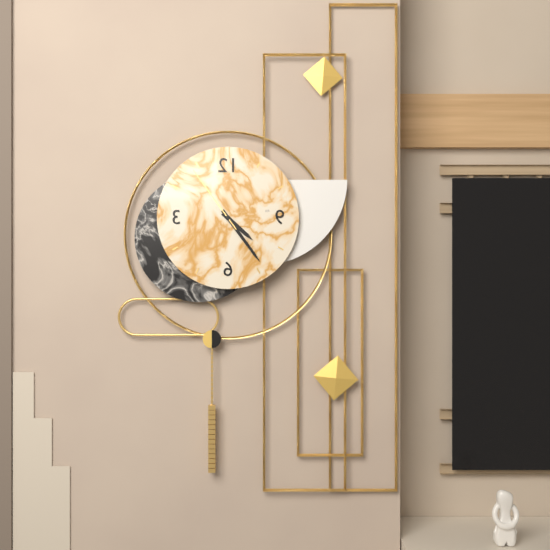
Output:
4:24:54
